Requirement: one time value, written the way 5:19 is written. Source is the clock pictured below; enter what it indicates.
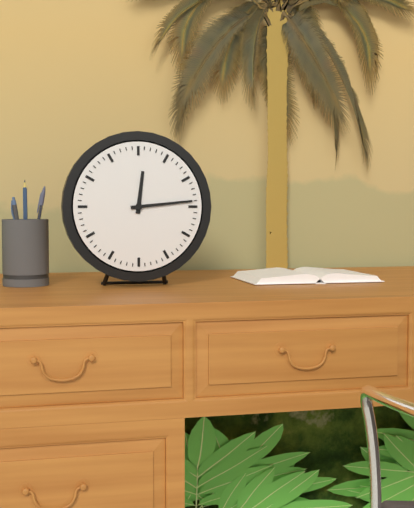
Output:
12:14
